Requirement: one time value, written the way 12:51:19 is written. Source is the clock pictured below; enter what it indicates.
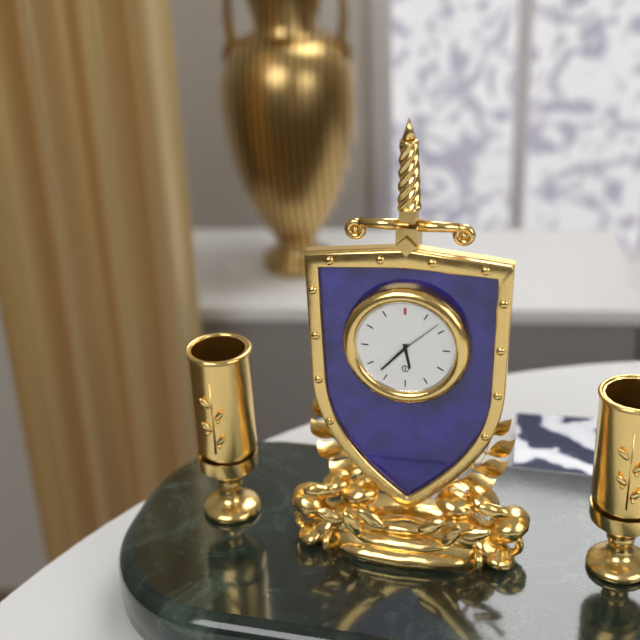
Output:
5:37:08
